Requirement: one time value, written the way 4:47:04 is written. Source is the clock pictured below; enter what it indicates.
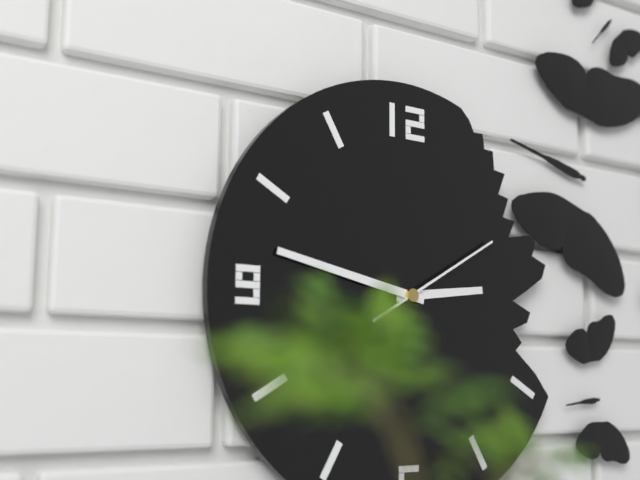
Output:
2:47:10
